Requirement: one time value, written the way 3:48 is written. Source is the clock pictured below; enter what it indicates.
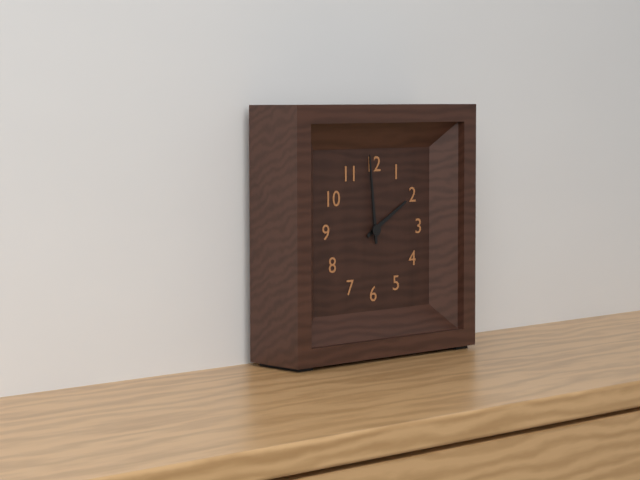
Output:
1:59
